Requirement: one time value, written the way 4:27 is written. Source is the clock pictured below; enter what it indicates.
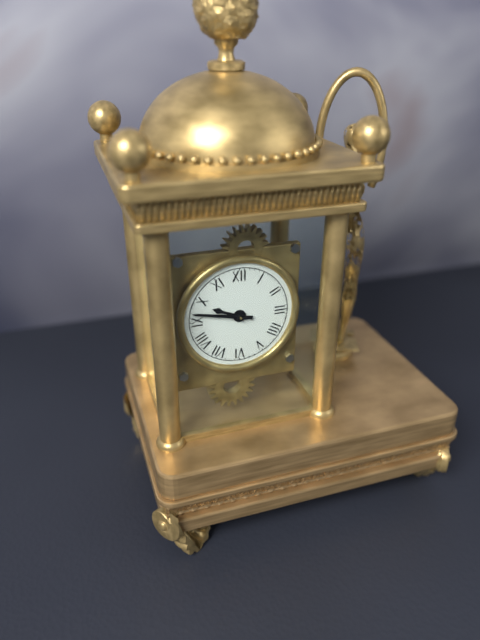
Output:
9:47
